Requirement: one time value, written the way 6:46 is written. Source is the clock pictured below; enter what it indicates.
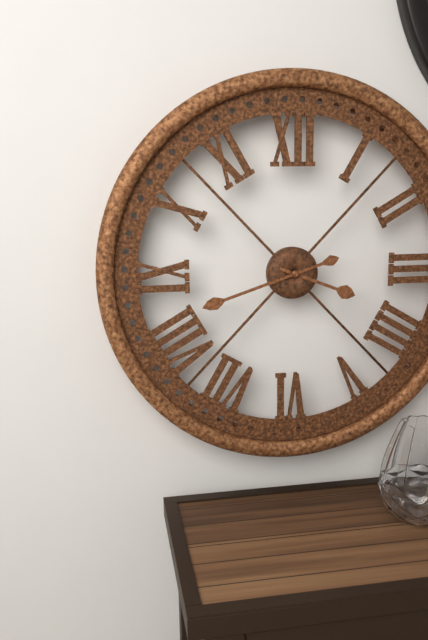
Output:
3:42
